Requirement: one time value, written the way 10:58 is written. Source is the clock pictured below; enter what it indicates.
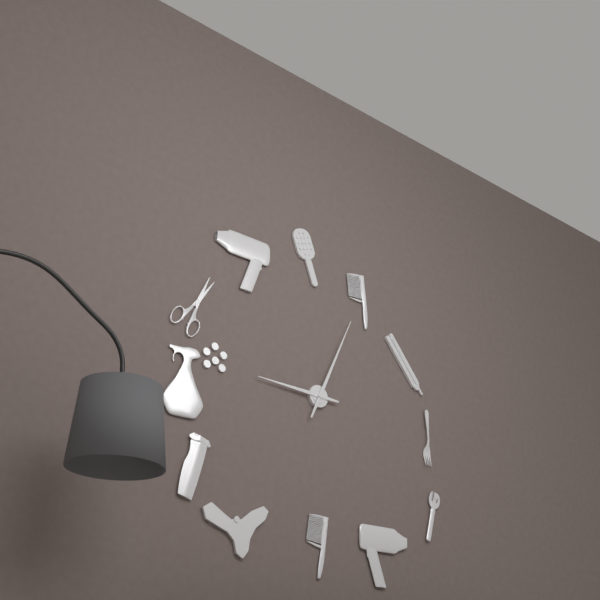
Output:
9:04
